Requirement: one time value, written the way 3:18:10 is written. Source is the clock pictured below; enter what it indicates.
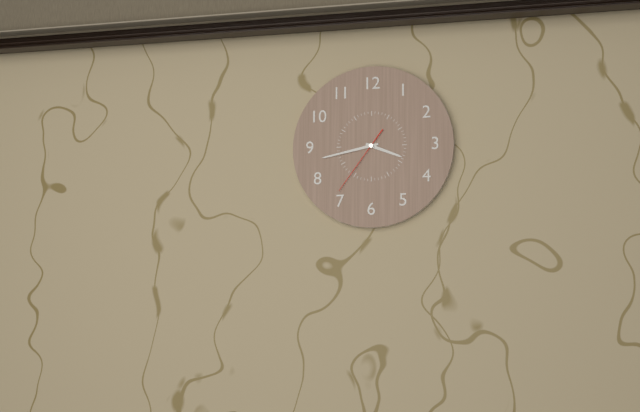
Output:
3:43:36
